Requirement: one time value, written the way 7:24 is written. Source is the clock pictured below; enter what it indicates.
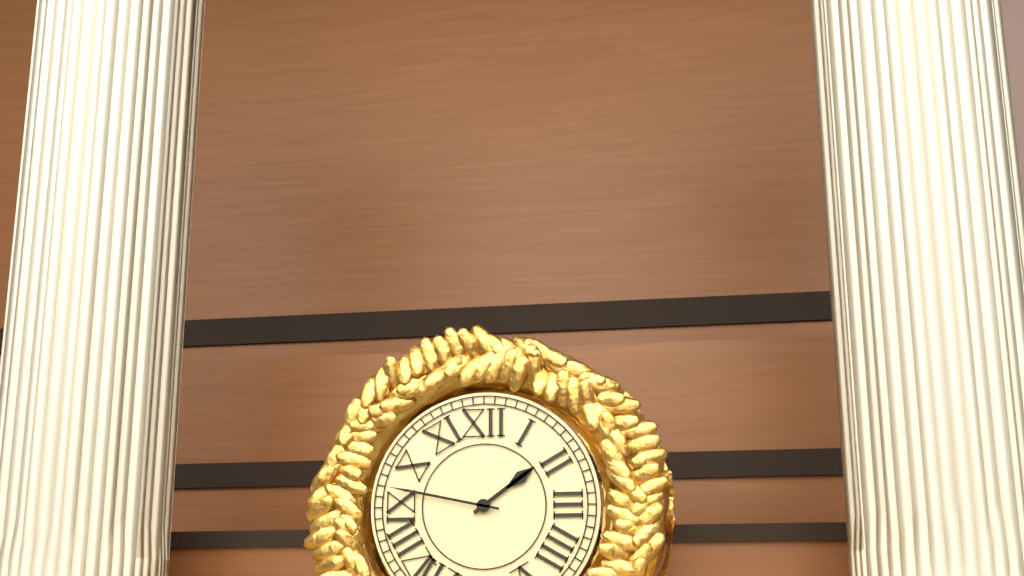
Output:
1:47
